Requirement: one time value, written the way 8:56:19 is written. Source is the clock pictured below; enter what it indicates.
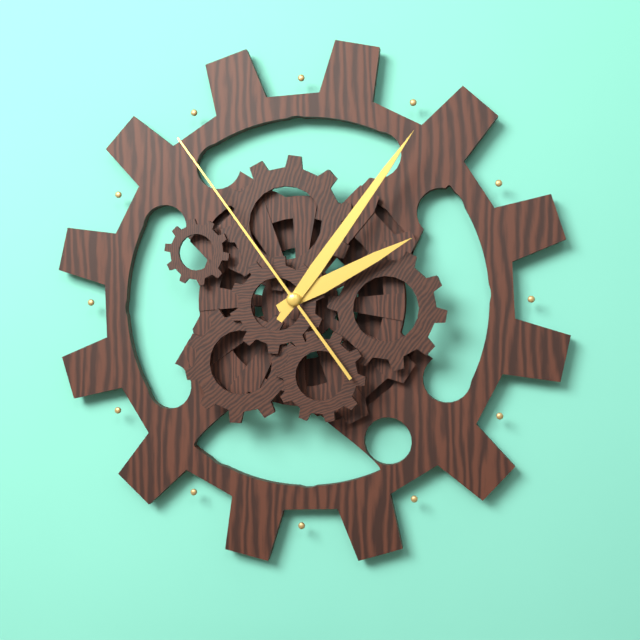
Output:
2:06:54
